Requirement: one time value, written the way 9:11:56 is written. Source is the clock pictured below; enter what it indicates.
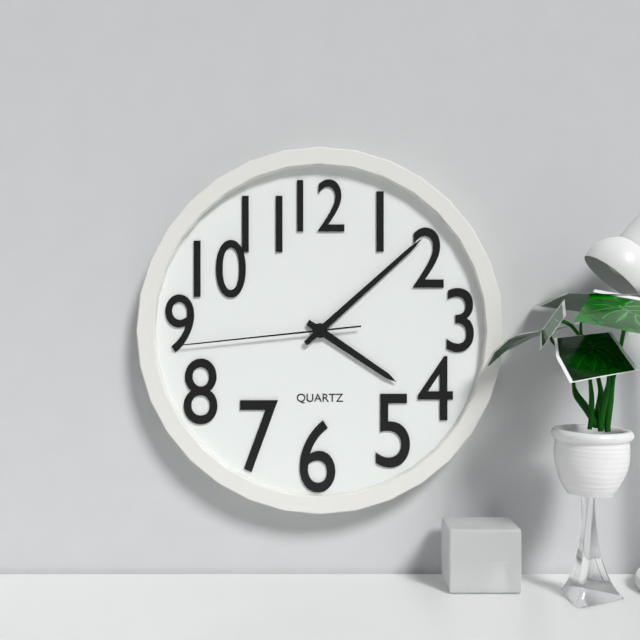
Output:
4:08:44
